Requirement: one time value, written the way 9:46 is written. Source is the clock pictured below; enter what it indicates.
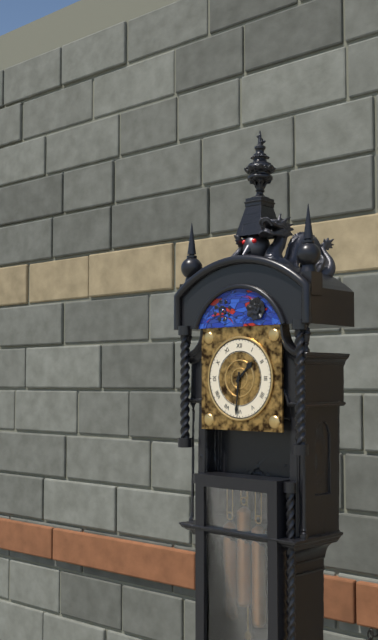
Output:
1:31
